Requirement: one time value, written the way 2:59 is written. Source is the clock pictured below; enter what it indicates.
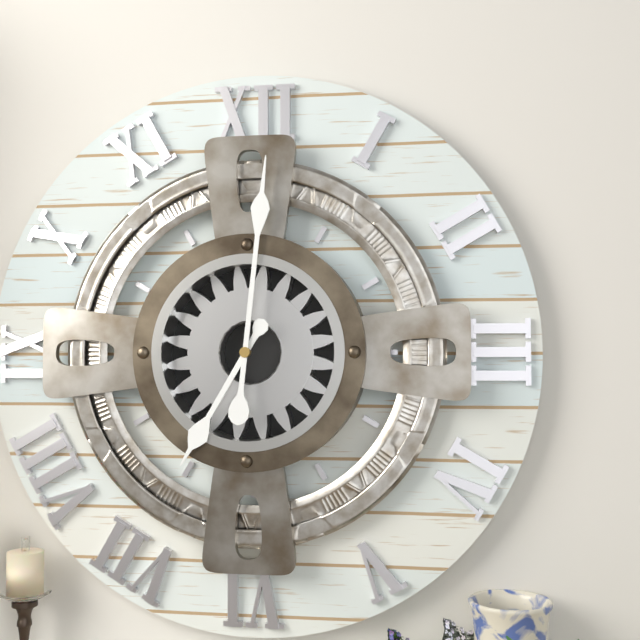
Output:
7:01
